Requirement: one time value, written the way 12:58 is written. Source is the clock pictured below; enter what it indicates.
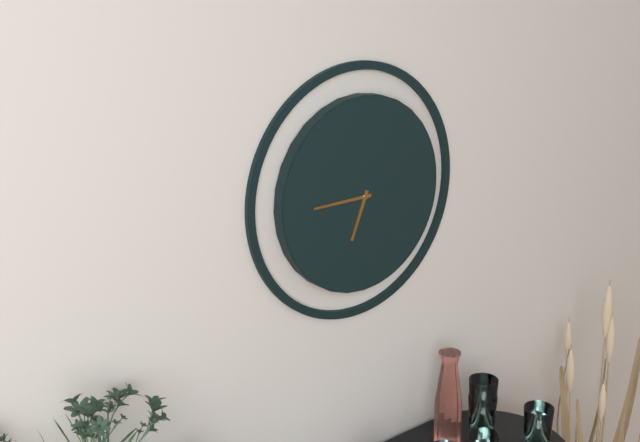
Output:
6:45
